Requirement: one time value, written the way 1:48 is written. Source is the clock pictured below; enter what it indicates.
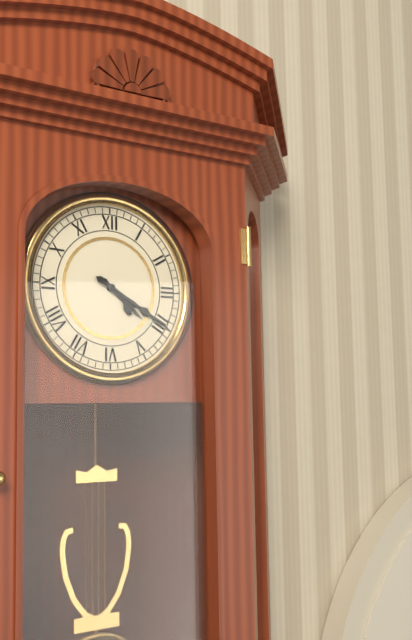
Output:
4:20
